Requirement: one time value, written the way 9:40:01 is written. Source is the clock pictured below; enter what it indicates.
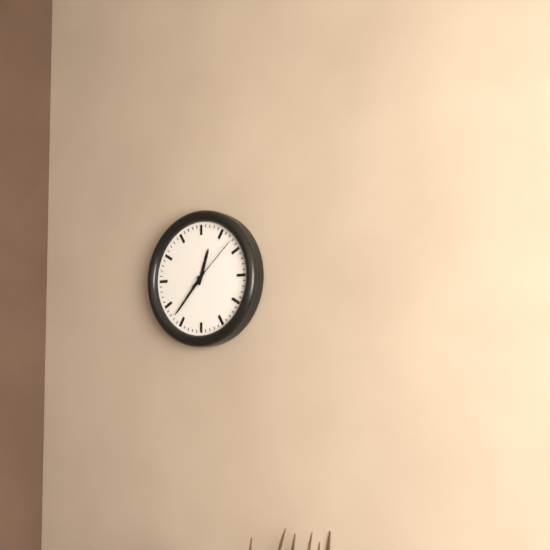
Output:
12:37:08
